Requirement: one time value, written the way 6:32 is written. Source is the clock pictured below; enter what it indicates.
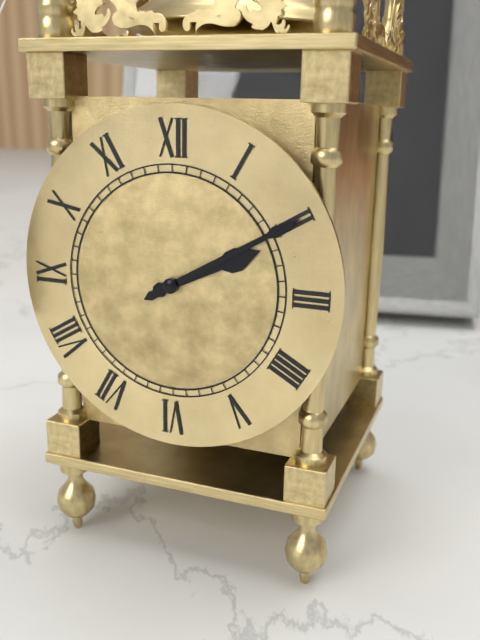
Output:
2:10
